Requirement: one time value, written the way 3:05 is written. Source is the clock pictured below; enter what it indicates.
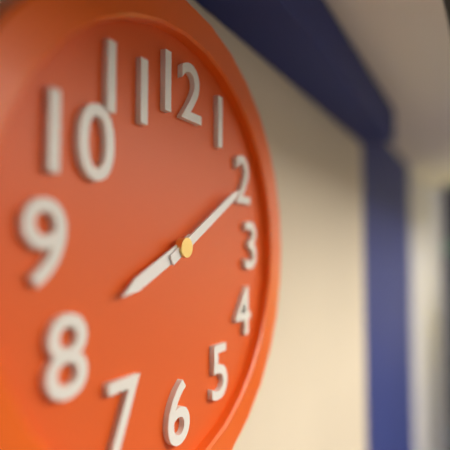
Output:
8:10
